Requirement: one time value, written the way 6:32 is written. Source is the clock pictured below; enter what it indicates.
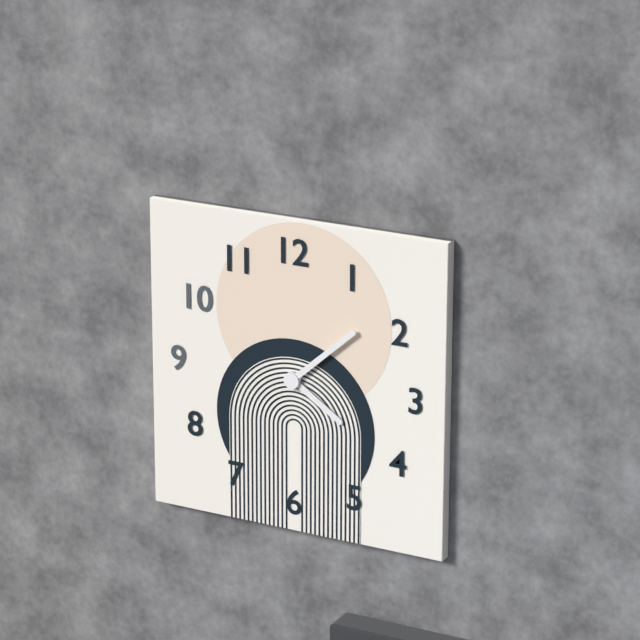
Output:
4:08
